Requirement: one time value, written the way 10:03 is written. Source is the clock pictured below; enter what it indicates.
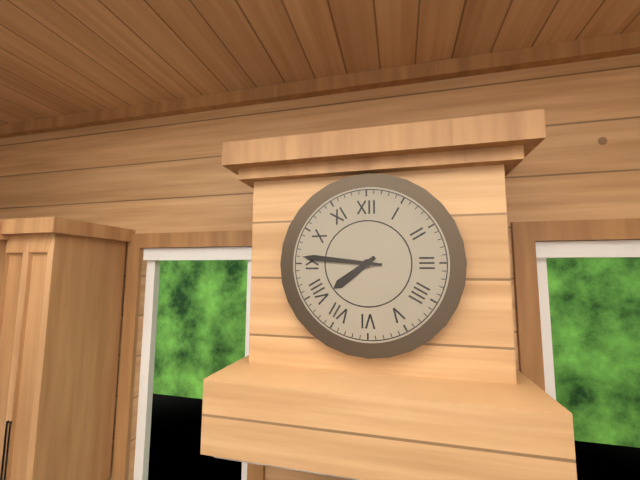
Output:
7:46
